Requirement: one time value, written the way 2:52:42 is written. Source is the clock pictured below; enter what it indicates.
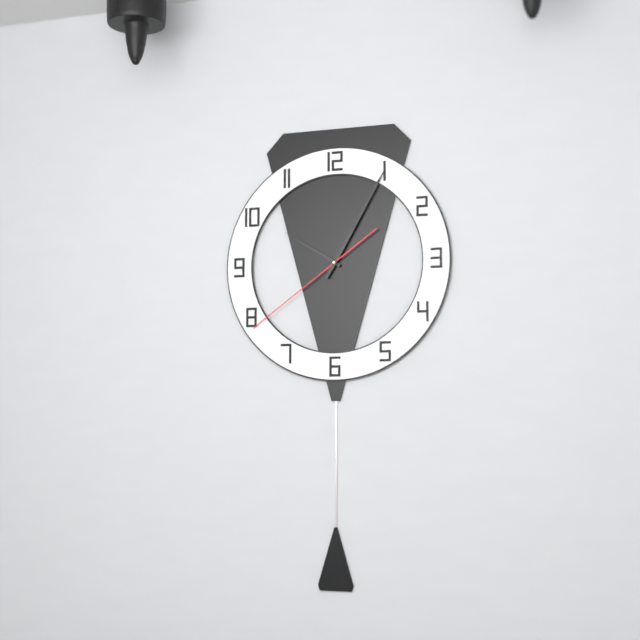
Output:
10:05:39
